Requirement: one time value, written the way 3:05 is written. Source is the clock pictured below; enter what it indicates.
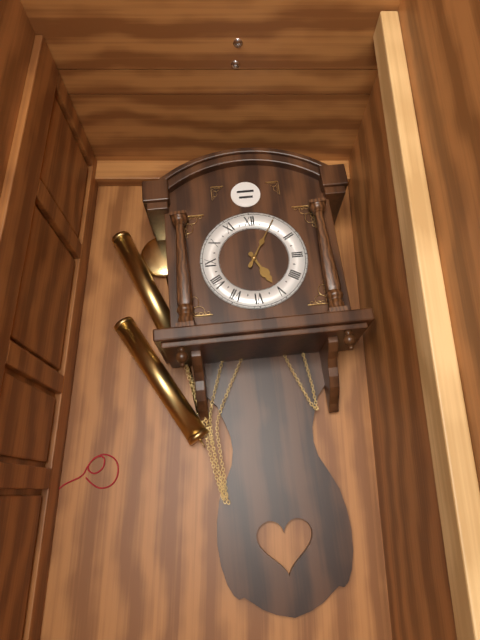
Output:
5:05
